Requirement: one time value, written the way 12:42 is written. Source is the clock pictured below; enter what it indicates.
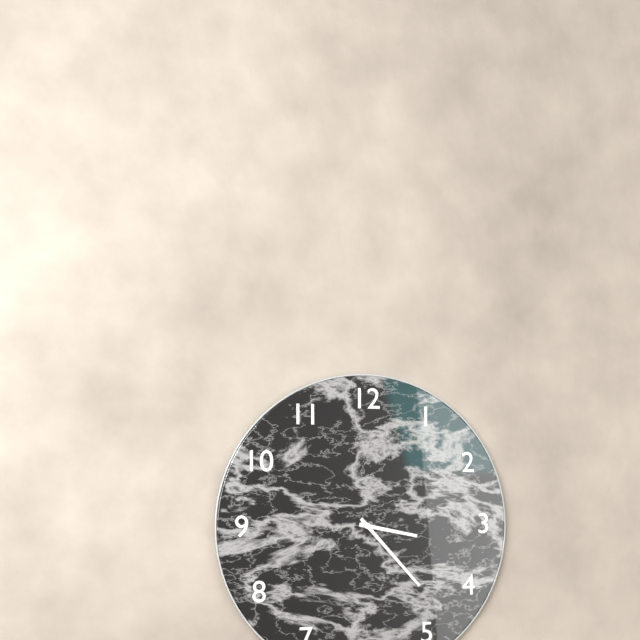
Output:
3:23
